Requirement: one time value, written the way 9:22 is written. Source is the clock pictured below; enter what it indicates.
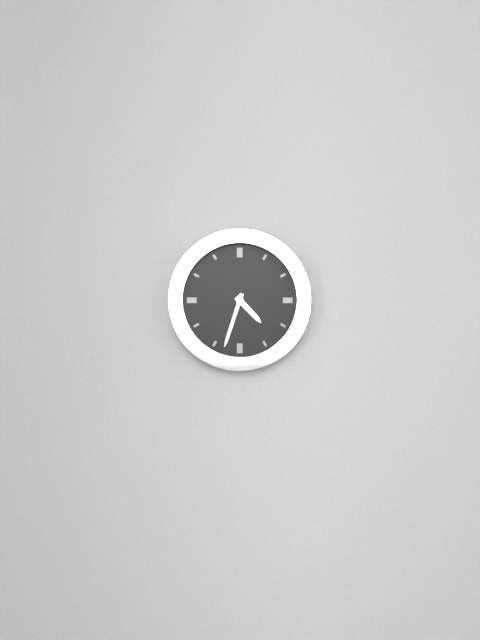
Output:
4:33
